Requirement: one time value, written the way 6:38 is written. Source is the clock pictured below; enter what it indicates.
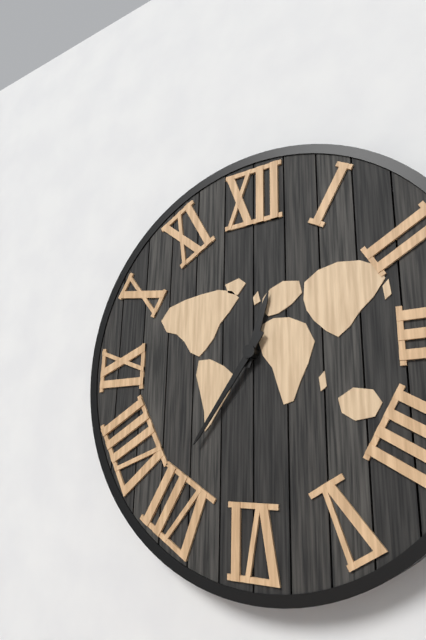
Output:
12:36
